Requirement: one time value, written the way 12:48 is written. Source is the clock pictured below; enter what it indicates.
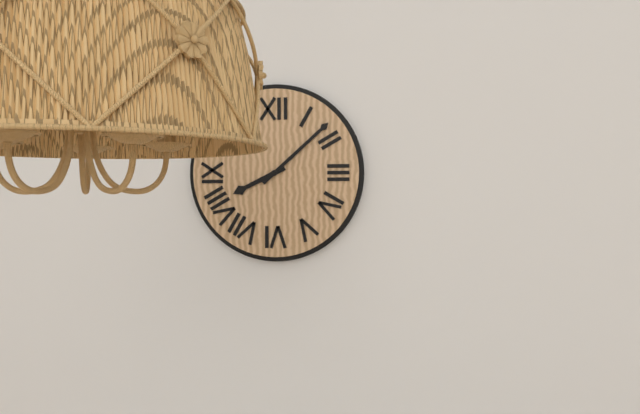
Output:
8:08
